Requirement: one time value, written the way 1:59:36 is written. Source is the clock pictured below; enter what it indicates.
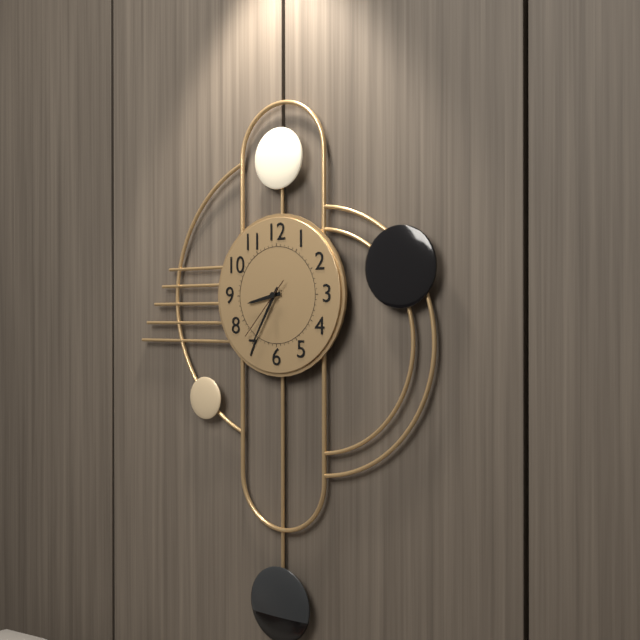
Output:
8:35:37
